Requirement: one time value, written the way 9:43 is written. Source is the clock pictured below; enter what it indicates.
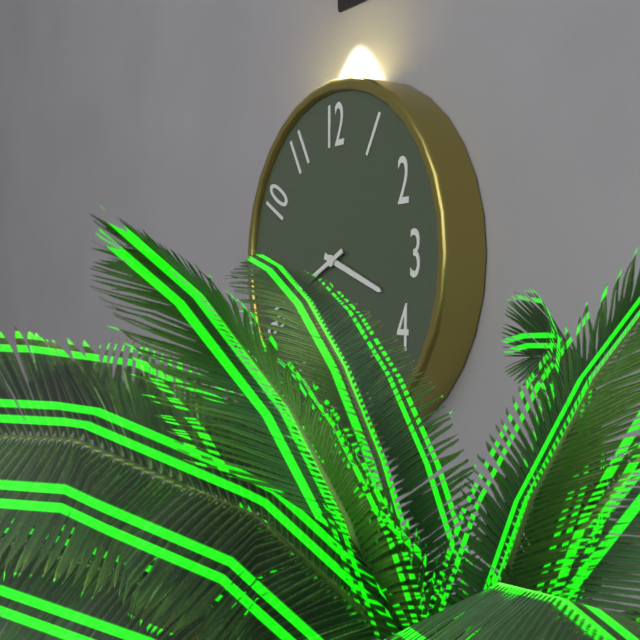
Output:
3:41
